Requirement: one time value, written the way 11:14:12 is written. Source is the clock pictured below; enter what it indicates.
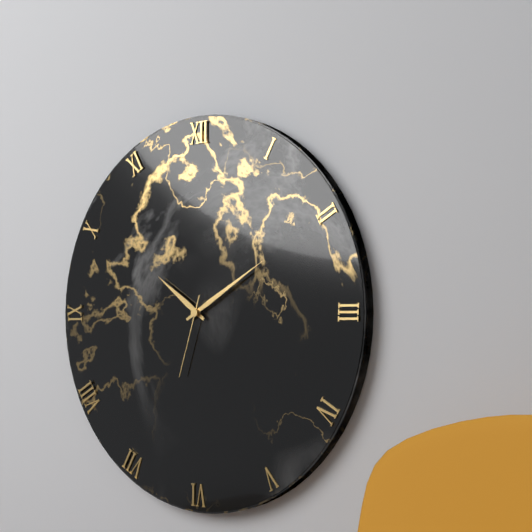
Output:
10:10:33
